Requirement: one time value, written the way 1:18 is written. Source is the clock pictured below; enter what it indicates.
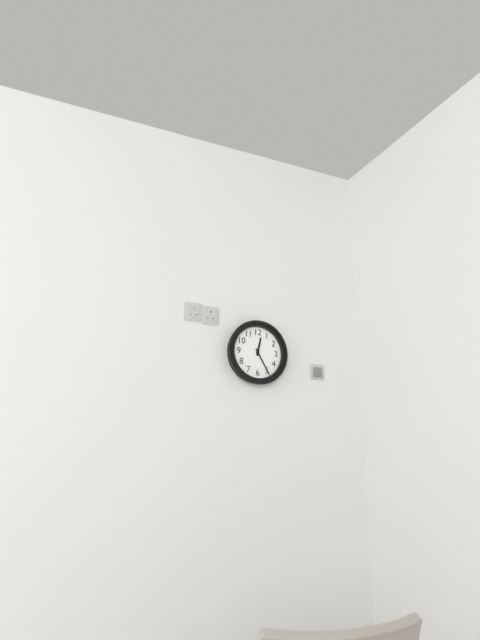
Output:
12:25
